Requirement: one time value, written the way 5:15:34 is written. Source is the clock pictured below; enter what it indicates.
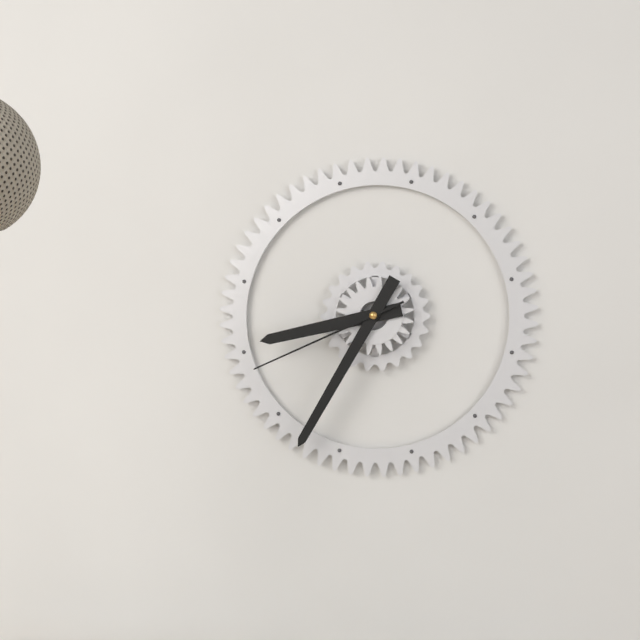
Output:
8:35:41
